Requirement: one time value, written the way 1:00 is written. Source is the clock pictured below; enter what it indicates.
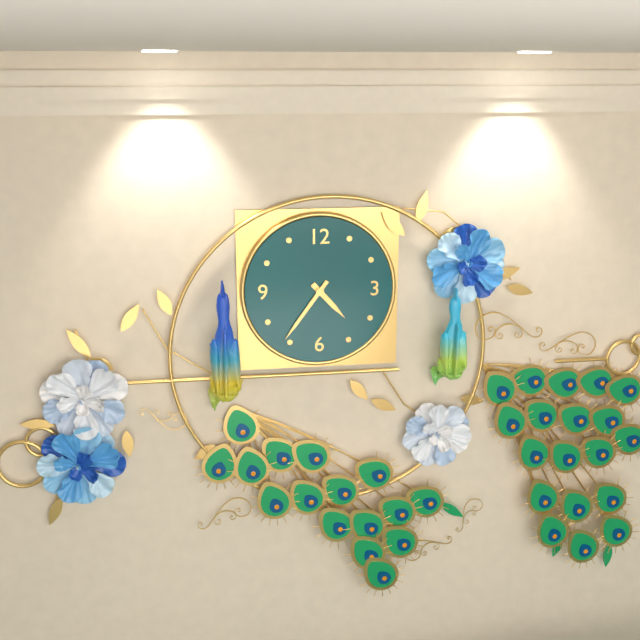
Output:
4:36
